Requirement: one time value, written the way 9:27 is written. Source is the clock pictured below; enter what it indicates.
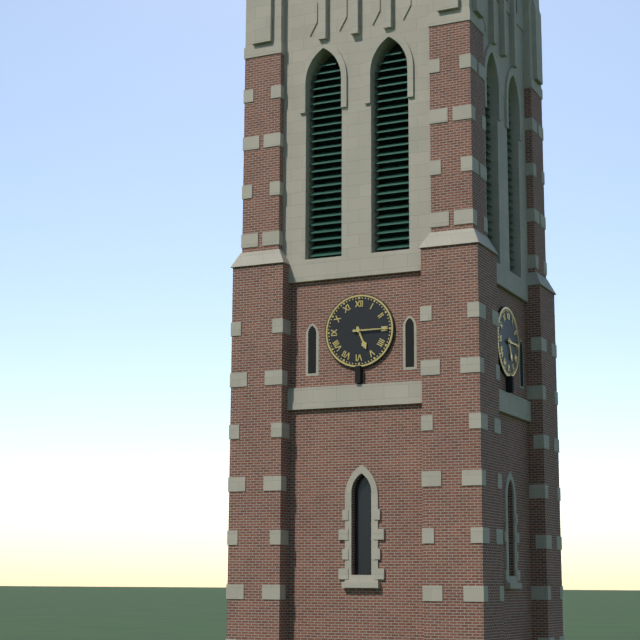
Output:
5:15
